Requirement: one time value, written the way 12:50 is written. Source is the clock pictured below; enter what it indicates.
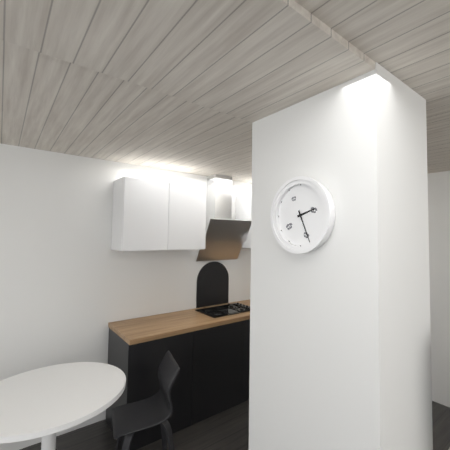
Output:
2:26
